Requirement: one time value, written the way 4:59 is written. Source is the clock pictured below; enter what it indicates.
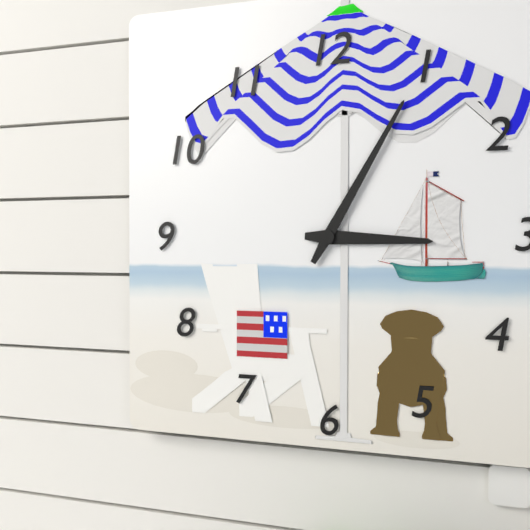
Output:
3:05
